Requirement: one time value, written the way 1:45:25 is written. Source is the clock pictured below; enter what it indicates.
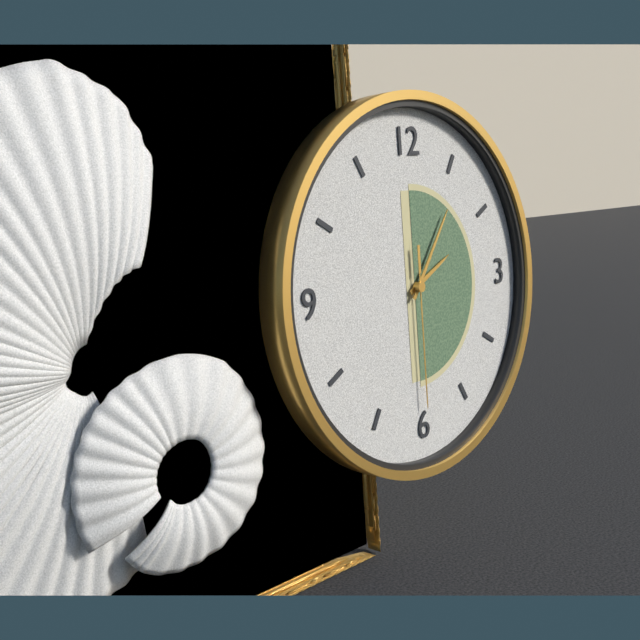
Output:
2:06:30
